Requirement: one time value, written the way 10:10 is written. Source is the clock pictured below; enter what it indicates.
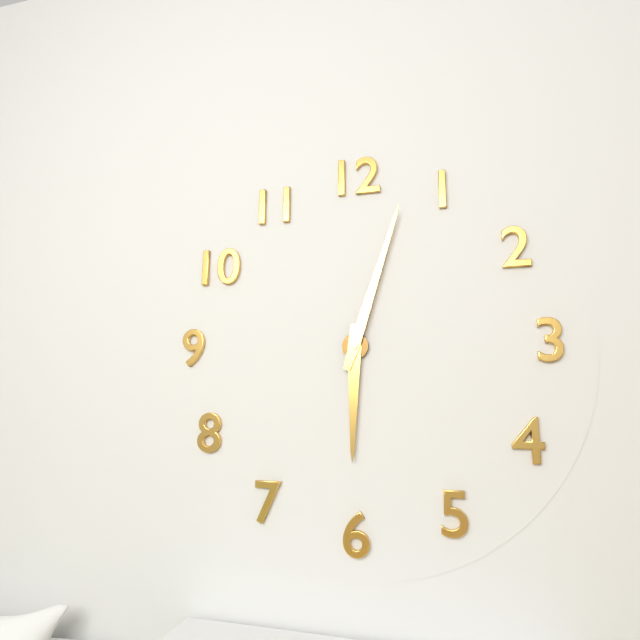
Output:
6:03
